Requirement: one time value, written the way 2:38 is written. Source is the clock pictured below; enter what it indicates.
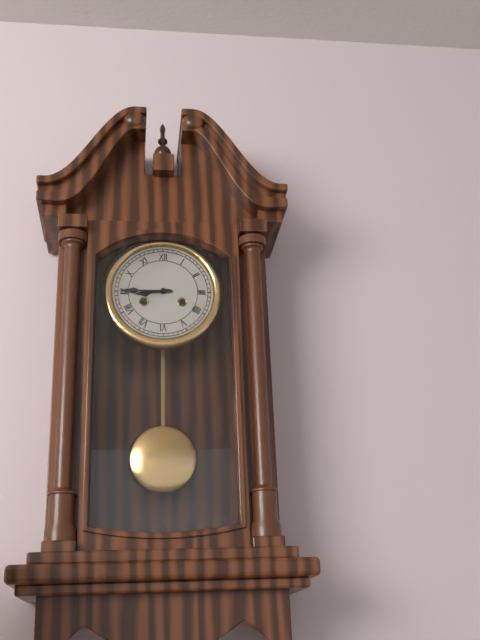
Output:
8:45
